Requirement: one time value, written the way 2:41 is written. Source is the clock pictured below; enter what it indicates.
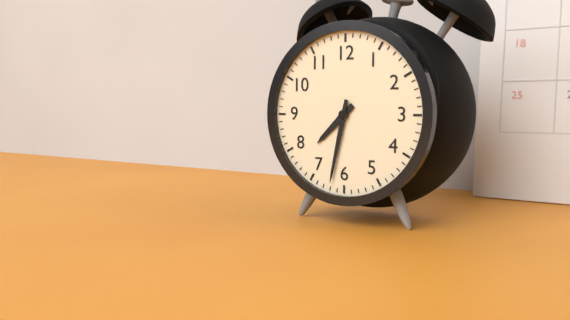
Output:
7:32
